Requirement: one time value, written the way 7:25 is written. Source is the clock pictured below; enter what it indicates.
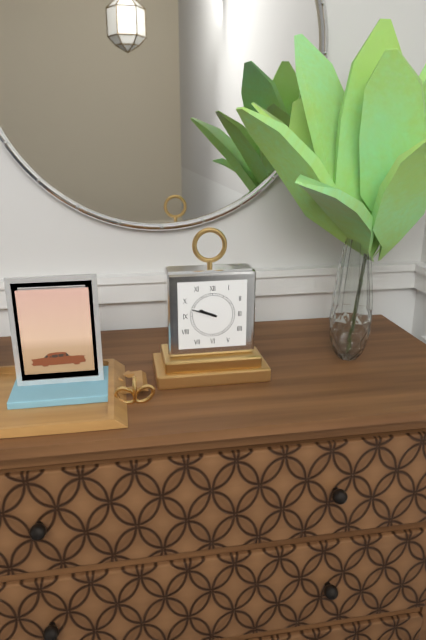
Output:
9:48
